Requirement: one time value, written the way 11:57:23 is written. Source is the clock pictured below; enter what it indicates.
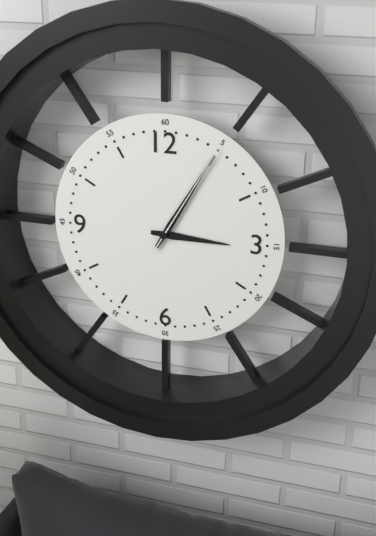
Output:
3:05:05
